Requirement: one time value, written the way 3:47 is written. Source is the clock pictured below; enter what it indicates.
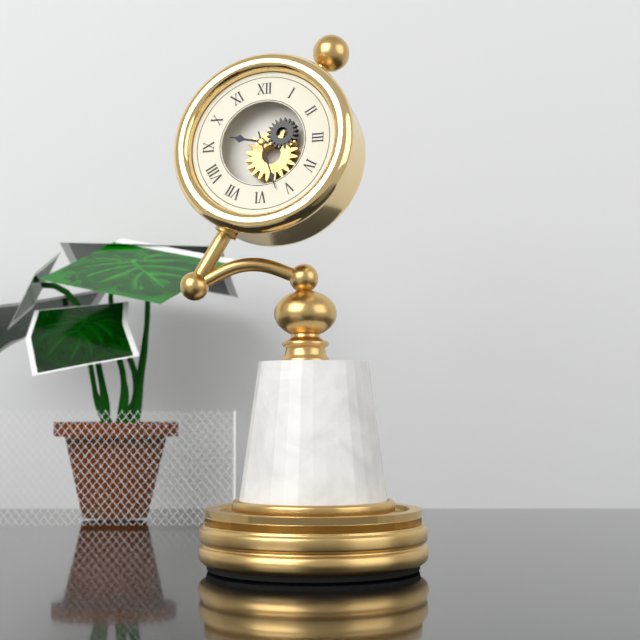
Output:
9:27
